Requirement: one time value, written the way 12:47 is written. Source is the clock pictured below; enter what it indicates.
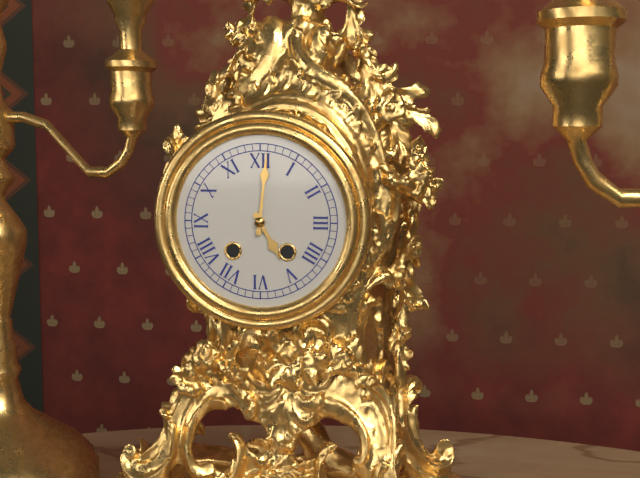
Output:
5:01
